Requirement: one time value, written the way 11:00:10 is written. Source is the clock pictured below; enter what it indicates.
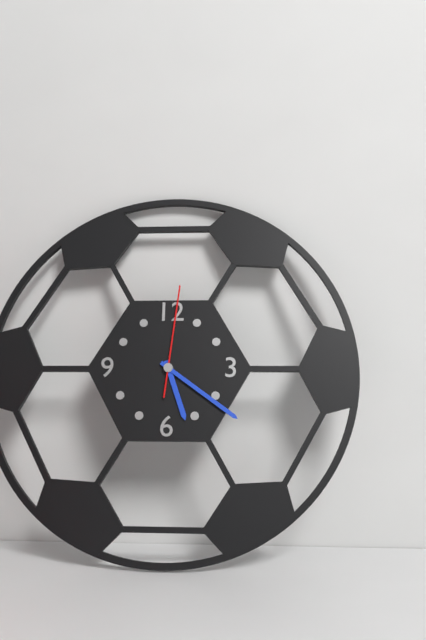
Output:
5:21:01
